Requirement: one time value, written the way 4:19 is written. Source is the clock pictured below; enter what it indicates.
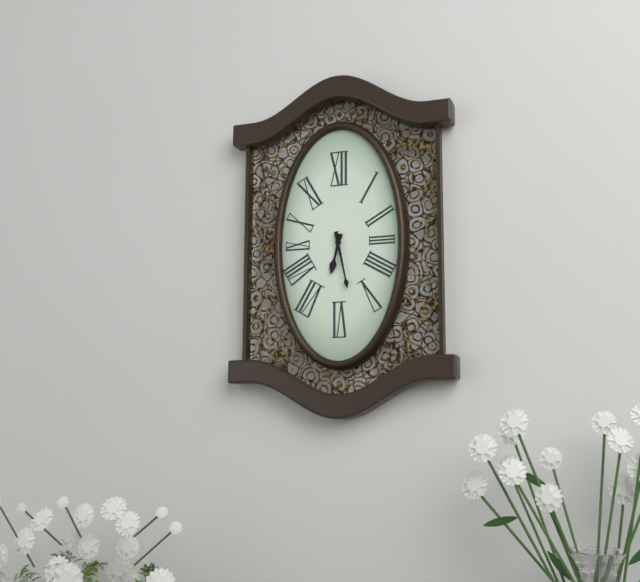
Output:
6:28
